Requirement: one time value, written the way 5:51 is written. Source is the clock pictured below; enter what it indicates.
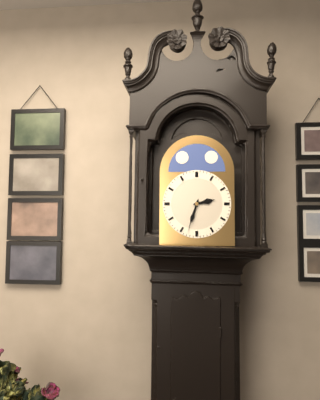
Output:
2:33
